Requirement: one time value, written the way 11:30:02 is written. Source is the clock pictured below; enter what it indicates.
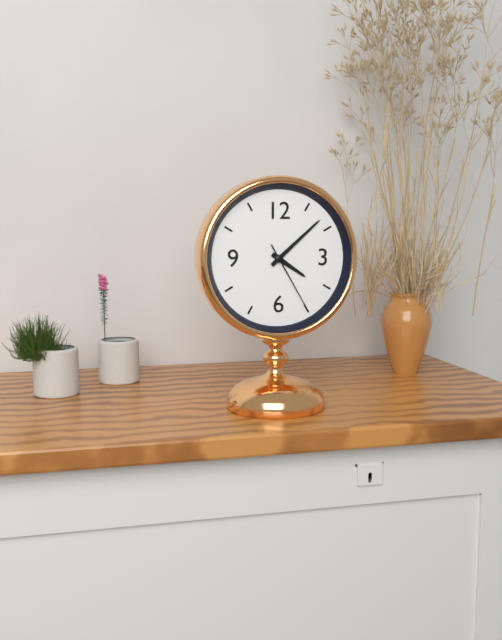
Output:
4:08:25
